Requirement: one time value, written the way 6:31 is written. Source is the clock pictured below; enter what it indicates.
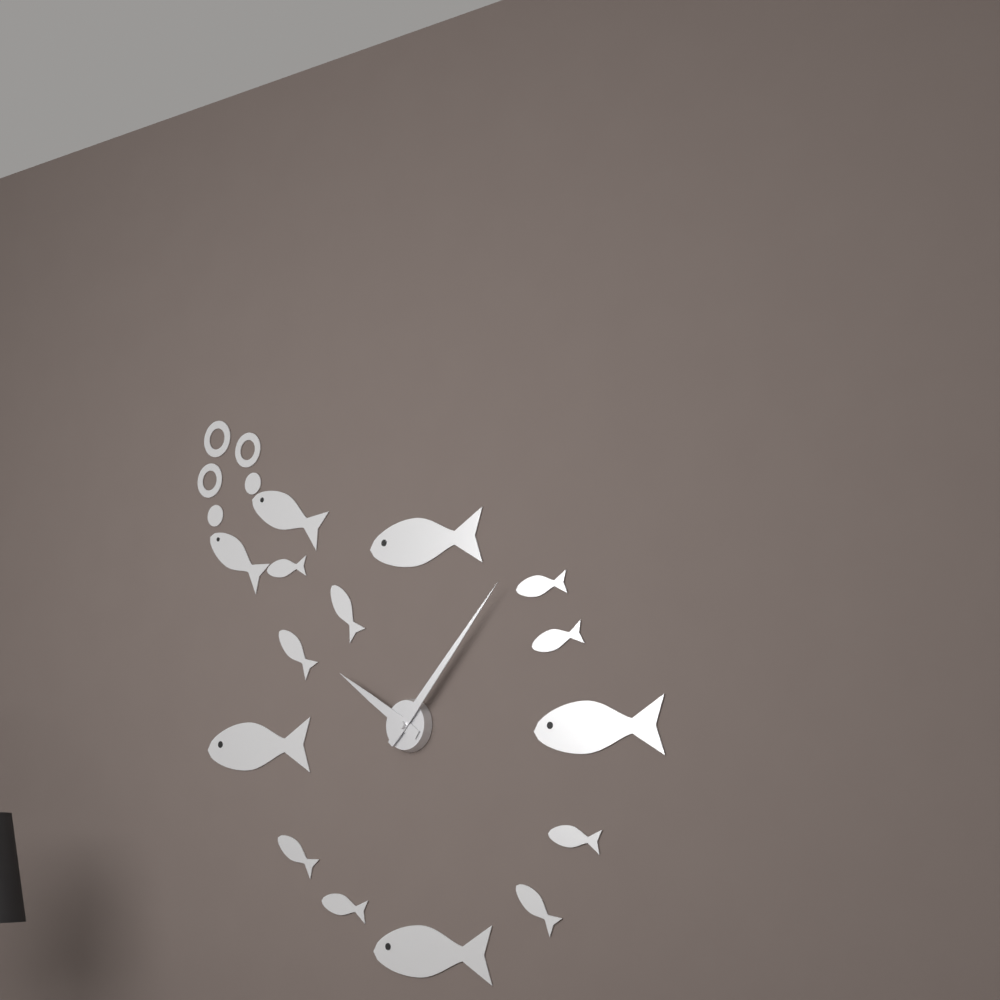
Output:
10:07
